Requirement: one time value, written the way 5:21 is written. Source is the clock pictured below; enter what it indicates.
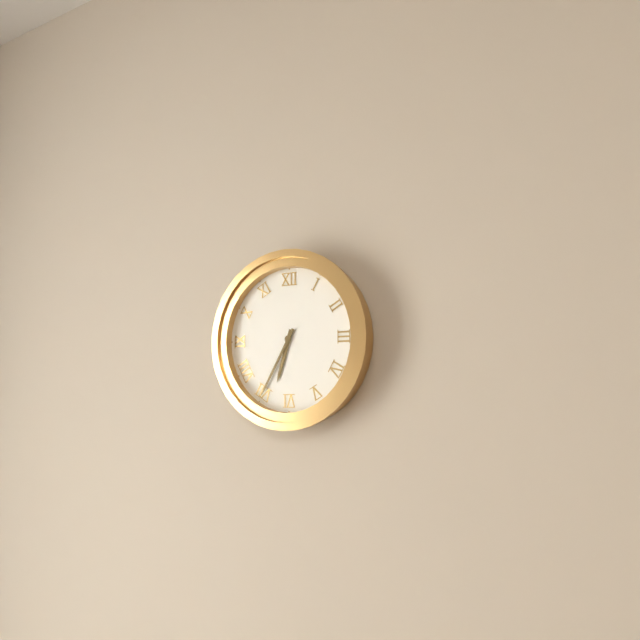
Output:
6:35
